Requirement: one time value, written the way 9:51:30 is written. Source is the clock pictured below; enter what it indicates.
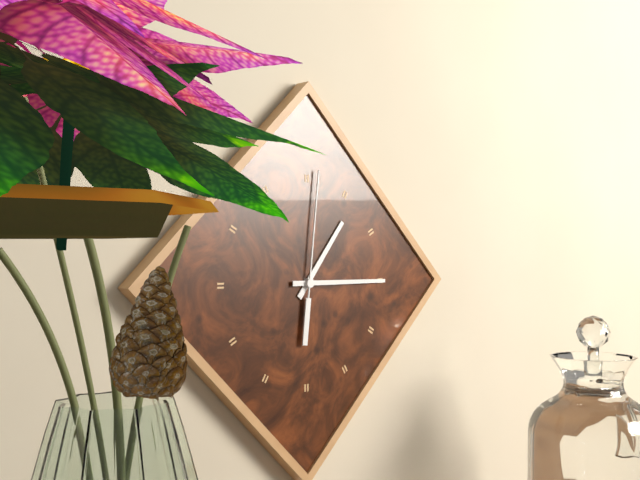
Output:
1:15:01
